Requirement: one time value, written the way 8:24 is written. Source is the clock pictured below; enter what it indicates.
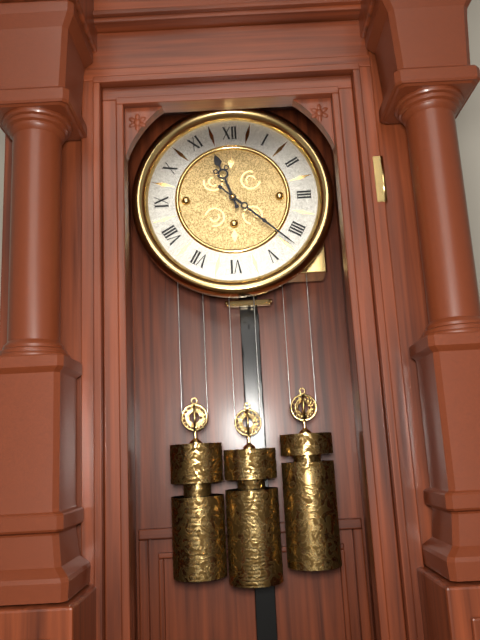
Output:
11:22
